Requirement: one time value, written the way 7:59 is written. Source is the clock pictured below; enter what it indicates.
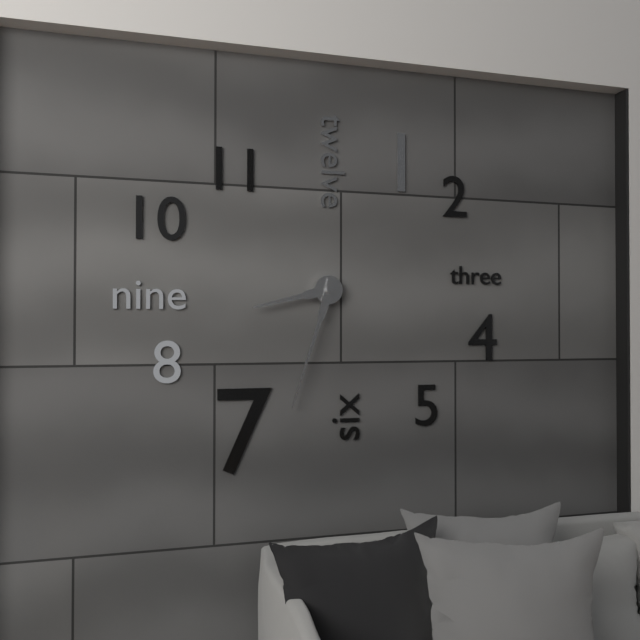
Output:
8:33
